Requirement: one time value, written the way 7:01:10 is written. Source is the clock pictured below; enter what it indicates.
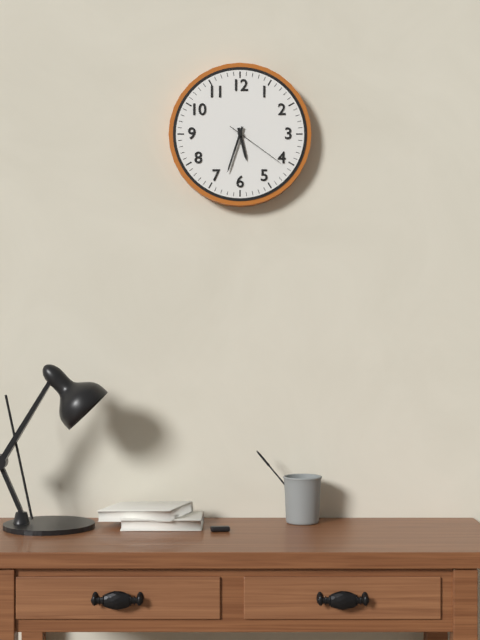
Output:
5:33:21
